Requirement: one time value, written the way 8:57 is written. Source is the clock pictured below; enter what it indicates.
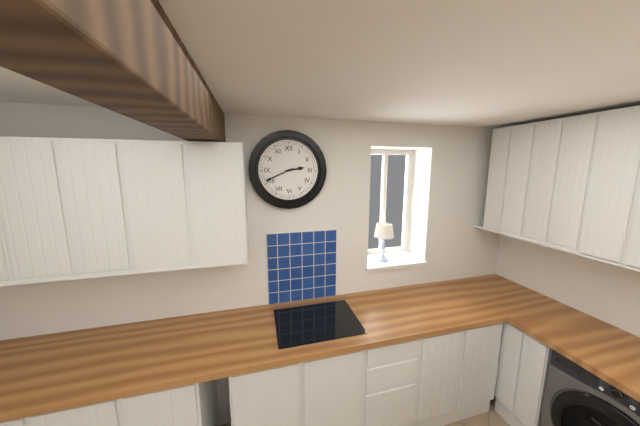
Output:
2:41
